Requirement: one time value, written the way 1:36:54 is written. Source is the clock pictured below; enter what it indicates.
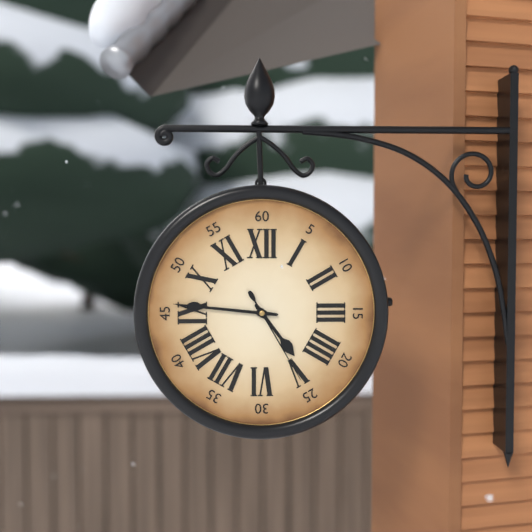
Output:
4:46:25
